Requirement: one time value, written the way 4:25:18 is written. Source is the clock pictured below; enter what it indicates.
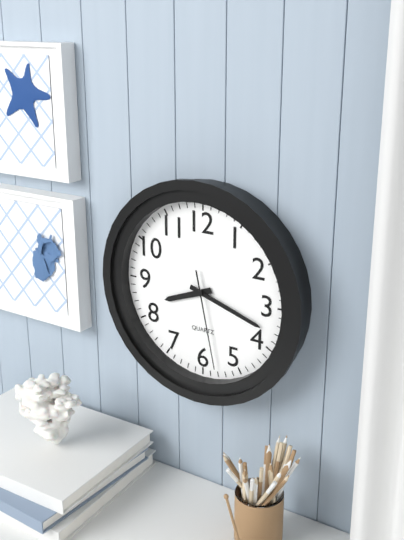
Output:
8:18:28
